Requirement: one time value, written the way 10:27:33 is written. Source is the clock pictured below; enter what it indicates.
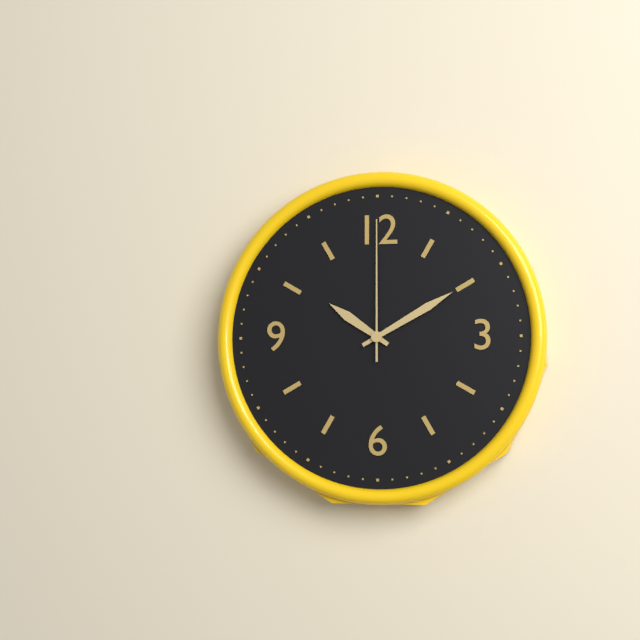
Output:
10:10:00
